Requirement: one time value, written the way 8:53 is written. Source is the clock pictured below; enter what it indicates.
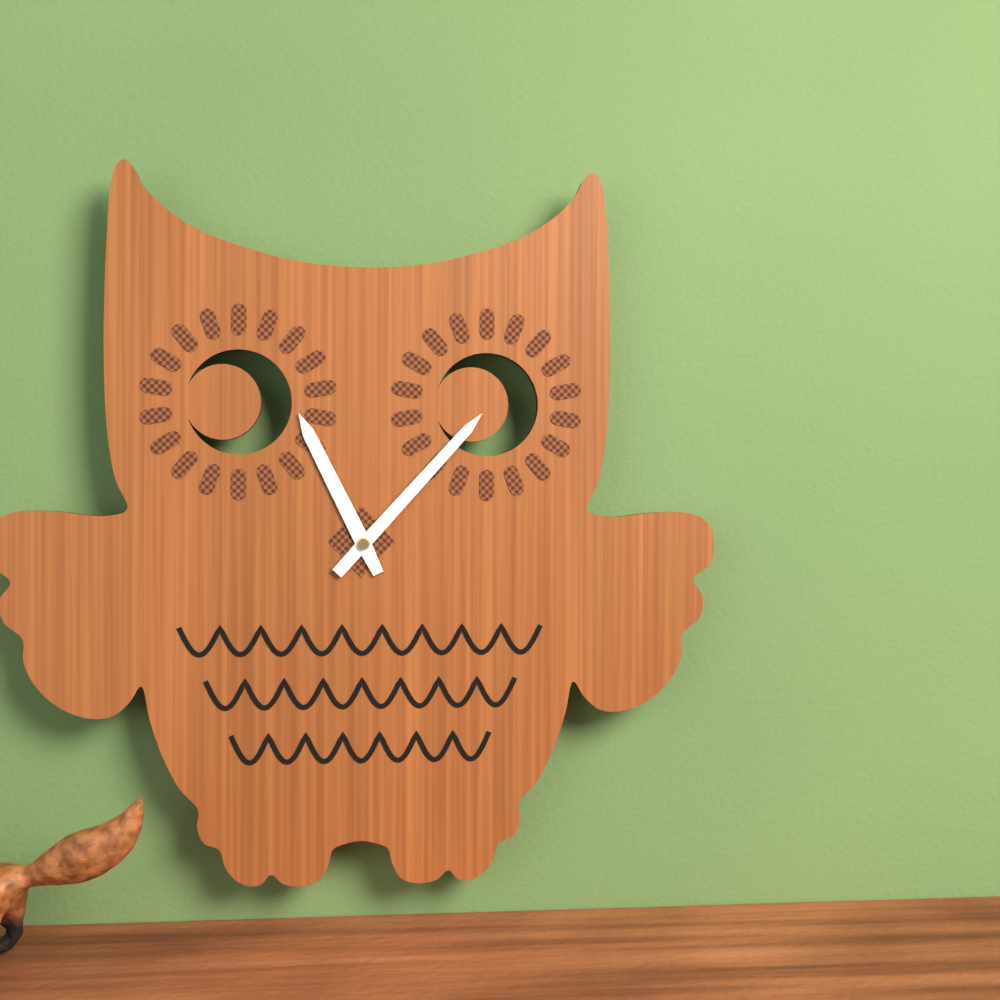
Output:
11:07
